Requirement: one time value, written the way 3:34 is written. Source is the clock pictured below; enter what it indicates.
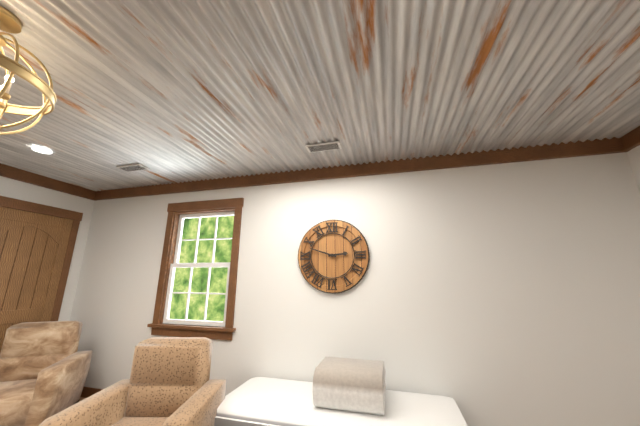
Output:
2:48
